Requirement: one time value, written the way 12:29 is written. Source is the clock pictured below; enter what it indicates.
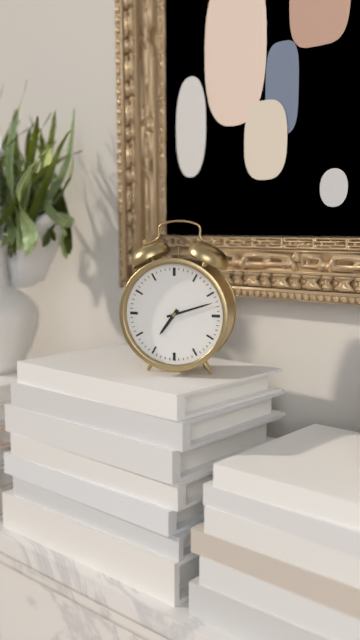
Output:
7:12
